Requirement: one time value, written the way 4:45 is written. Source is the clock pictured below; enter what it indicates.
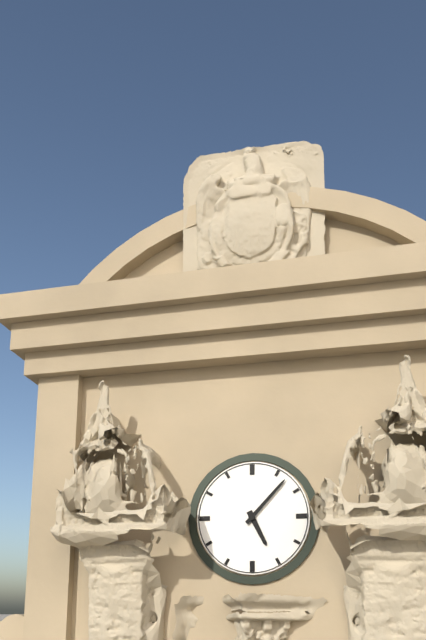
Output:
5:07
